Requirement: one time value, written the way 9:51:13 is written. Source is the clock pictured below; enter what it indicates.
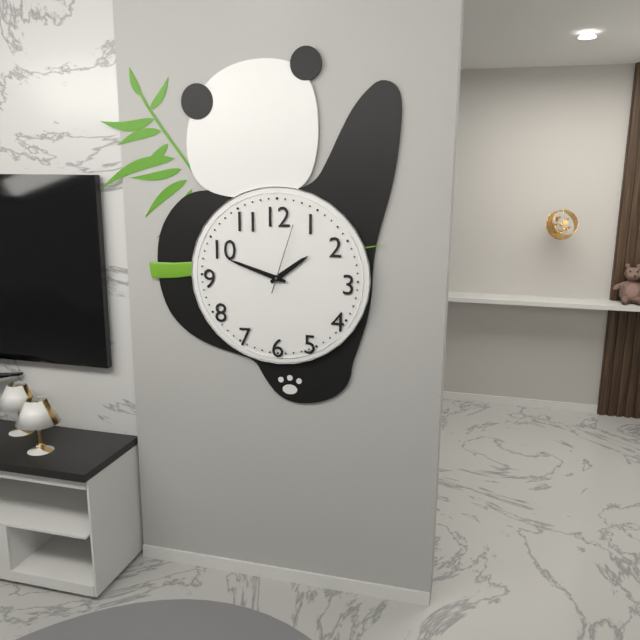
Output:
1:48:03
